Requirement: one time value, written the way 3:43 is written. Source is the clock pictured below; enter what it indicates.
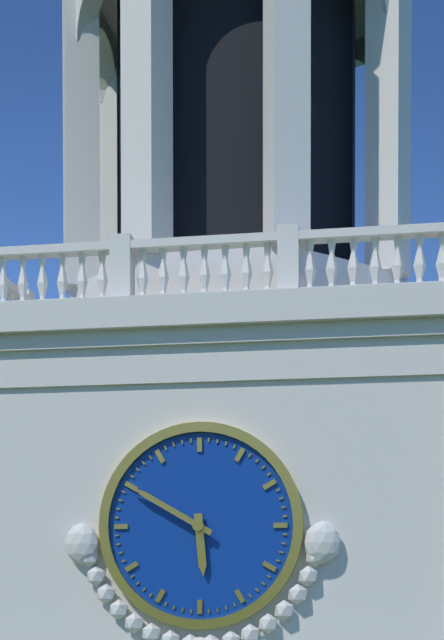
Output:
5:50
